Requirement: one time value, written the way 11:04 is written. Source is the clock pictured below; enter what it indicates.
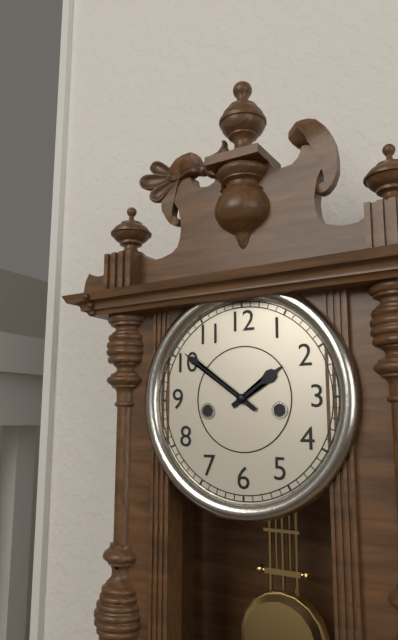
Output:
1:51
